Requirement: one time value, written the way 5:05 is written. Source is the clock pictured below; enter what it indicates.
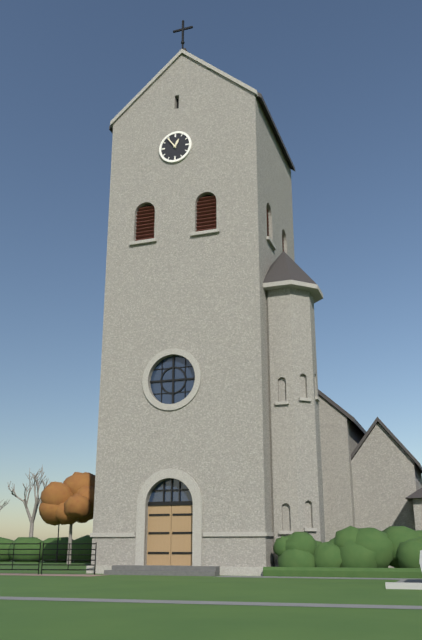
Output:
12:54
